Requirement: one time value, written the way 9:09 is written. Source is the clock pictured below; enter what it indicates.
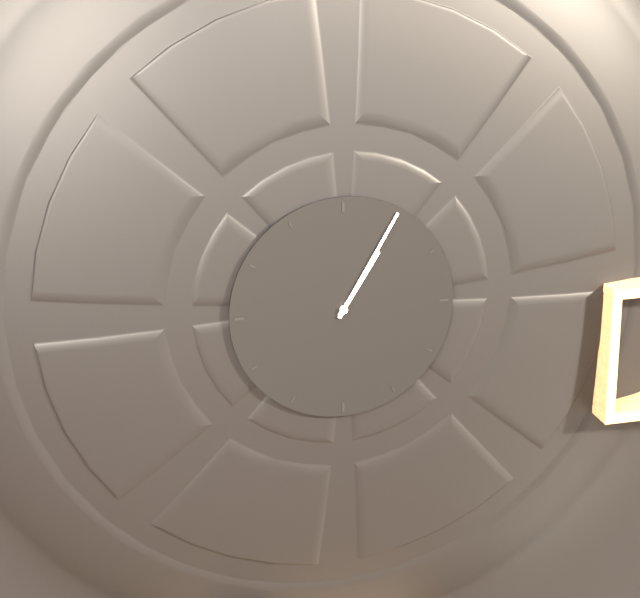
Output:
1:05
